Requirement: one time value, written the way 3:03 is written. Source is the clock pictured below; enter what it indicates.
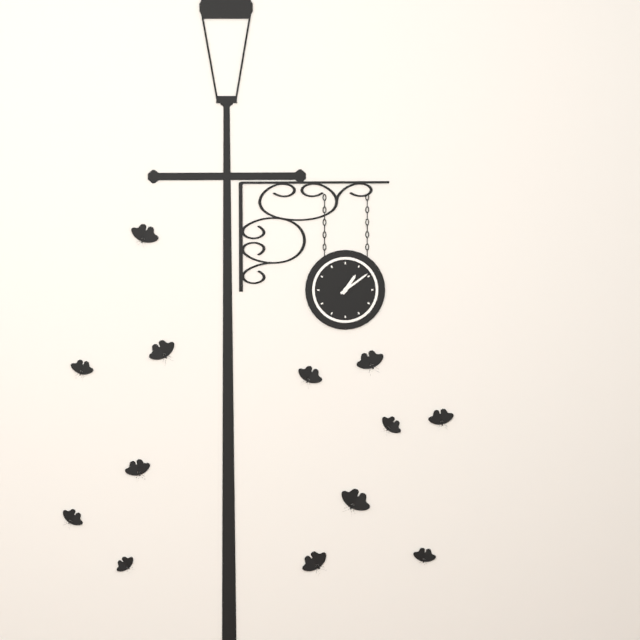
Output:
1:09
